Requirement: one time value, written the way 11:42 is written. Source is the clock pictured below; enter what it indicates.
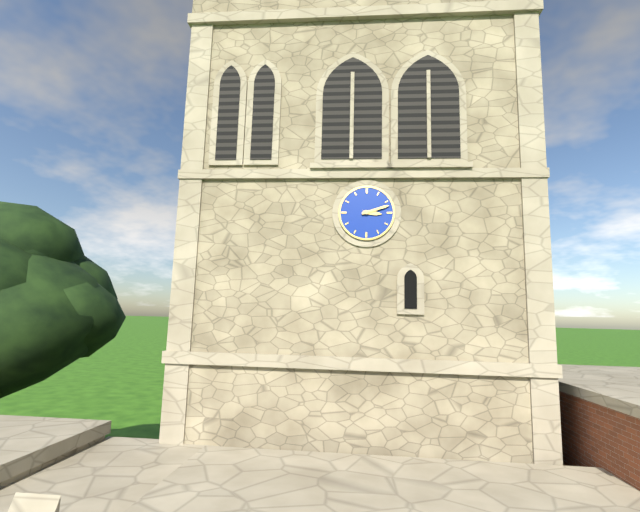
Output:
3:12
